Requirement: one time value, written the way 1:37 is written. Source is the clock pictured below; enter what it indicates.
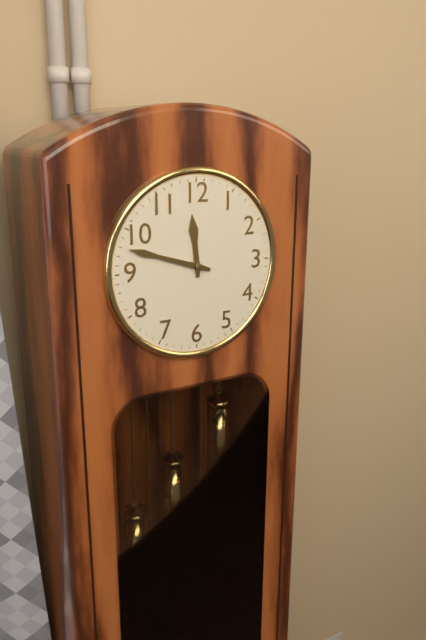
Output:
11:48
